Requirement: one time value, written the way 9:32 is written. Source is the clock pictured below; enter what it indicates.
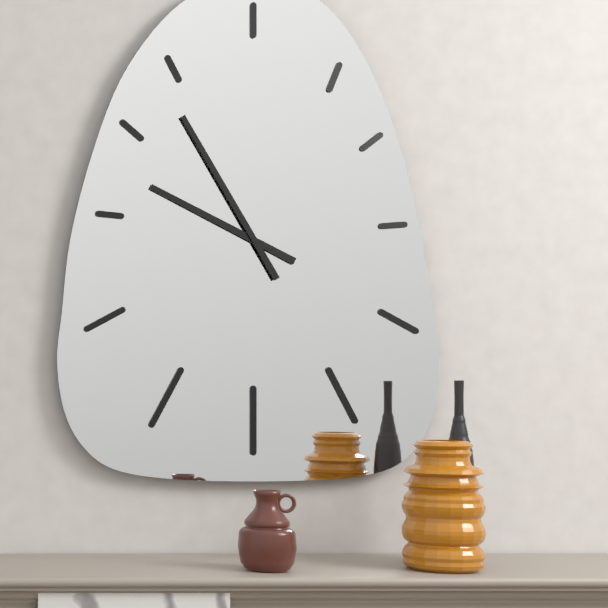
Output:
9:55
